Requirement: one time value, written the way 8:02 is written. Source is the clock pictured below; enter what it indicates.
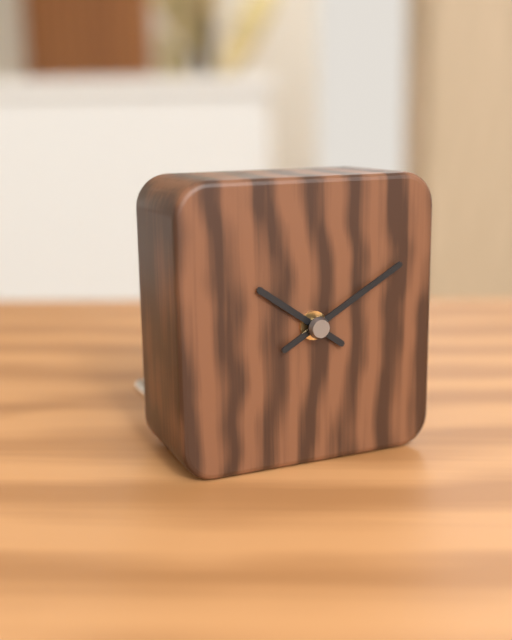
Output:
10:10
